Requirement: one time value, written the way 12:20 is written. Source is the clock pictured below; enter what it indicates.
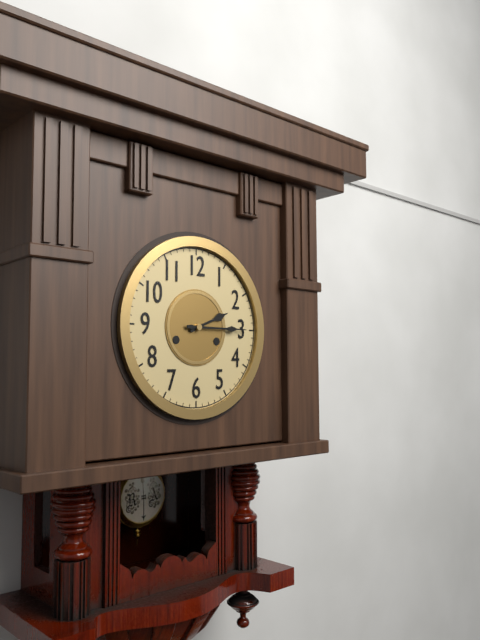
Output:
2:15
